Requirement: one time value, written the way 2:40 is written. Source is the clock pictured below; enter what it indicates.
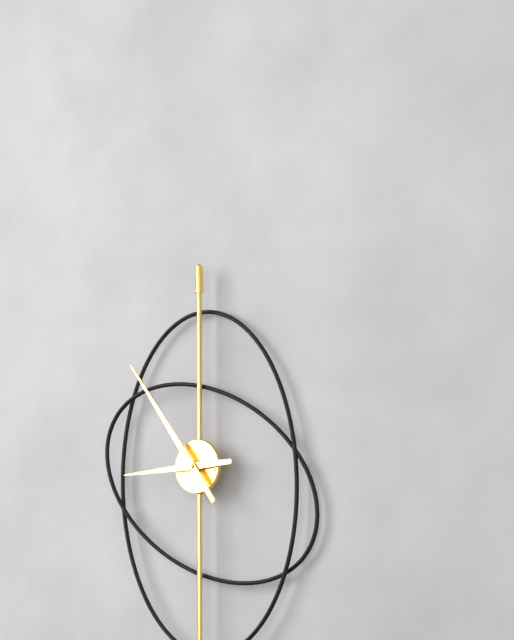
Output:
8:54
